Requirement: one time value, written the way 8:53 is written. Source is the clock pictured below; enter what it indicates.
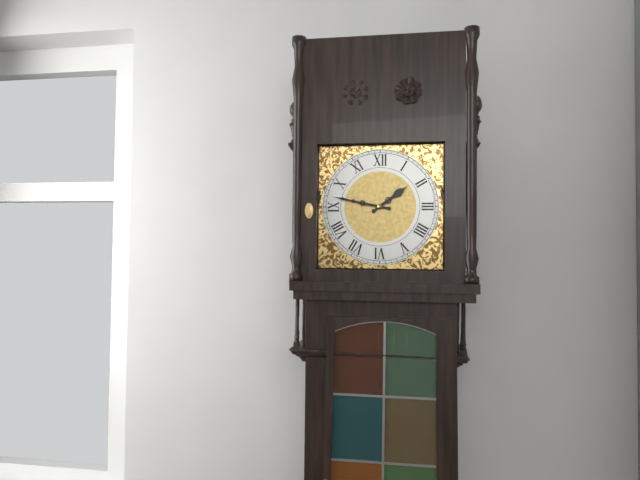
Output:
1:47
